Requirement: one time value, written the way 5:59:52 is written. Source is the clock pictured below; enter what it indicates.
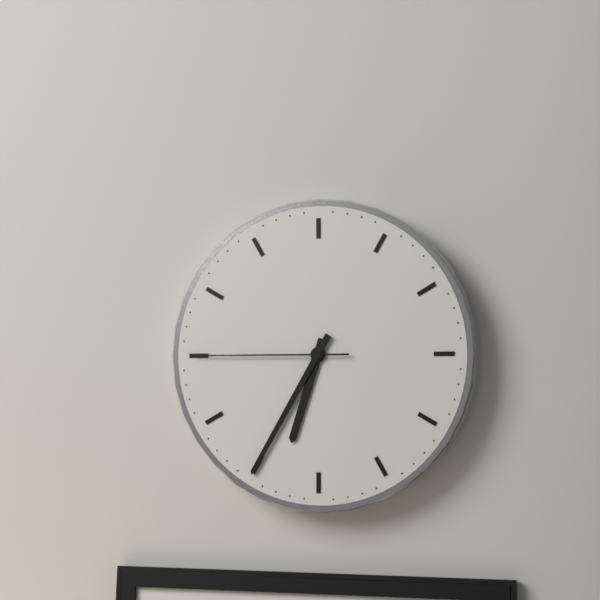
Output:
6:35:45
